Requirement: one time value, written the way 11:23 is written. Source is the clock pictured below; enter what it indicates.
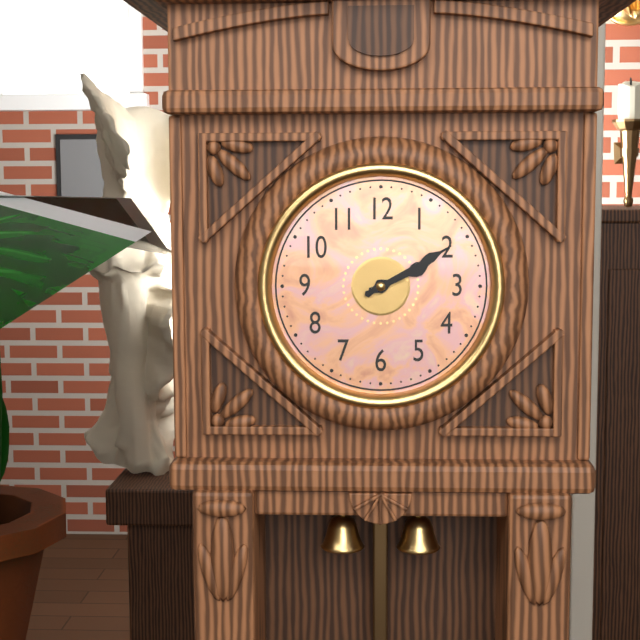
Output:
2:10
